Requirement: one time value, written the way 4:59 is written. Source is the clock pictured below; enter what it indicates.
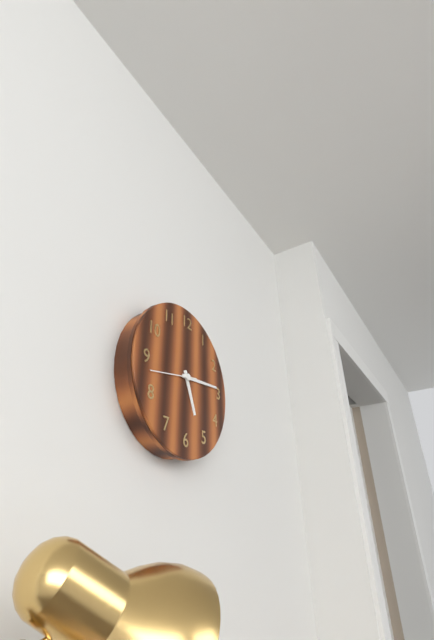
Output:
5:14
